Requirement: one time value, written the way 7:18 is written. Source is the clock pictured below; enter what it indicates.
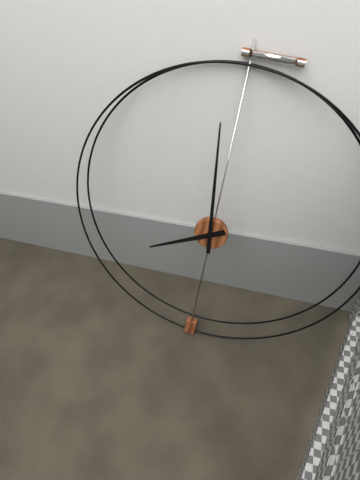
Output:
7:59
